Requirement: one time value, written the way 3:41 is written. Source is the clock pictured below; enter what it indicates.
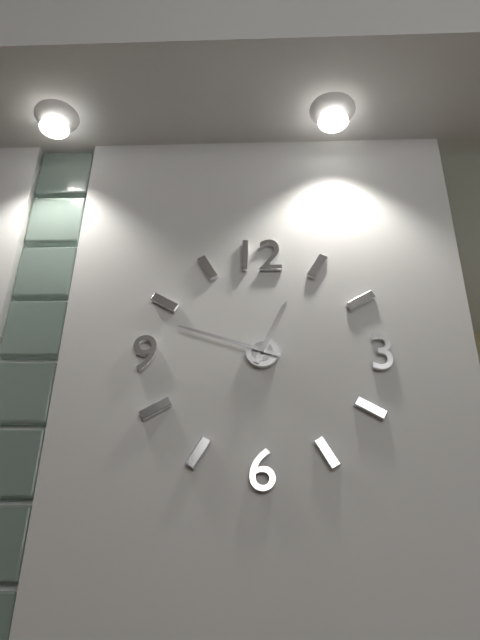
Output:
12:48
